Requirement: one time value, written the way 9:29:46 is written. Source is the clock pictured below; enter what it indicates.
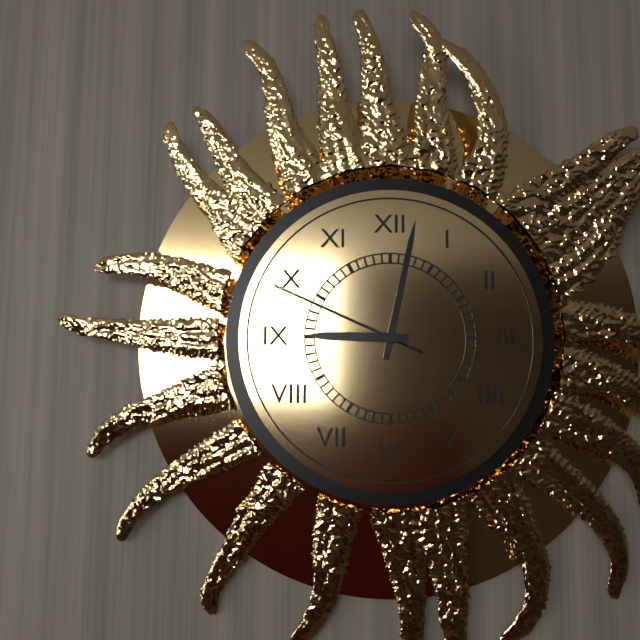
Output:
9:02:49
